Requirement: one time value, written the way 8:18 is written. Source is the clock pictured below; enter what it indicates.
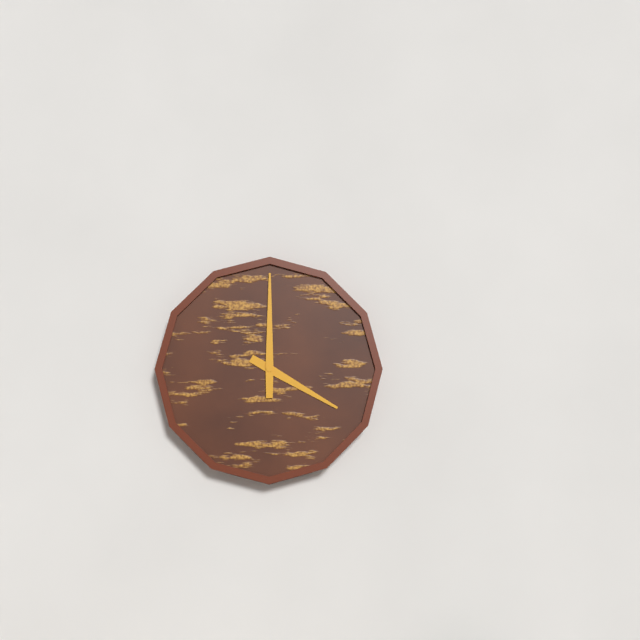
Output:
4:00
